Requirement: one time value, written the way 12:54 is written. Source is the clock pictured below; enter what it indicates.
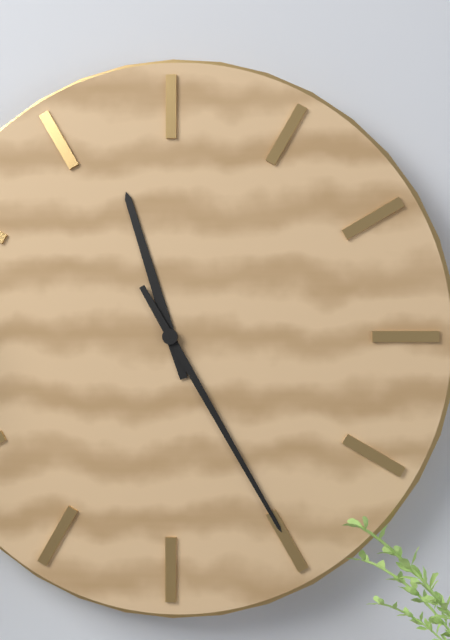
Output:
11:25
